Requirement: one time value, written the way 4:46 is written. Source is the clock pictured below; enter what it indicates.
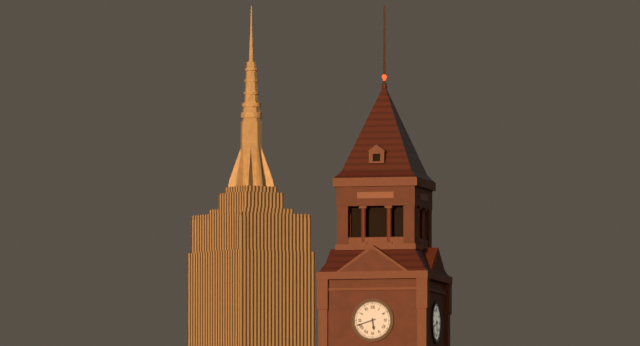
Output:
5:42
